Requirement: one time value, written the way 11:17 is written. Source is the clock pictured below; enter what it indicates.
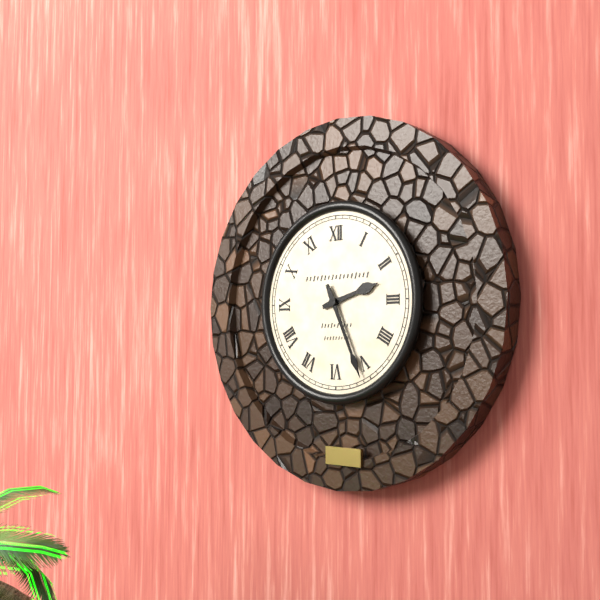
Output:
2:26
